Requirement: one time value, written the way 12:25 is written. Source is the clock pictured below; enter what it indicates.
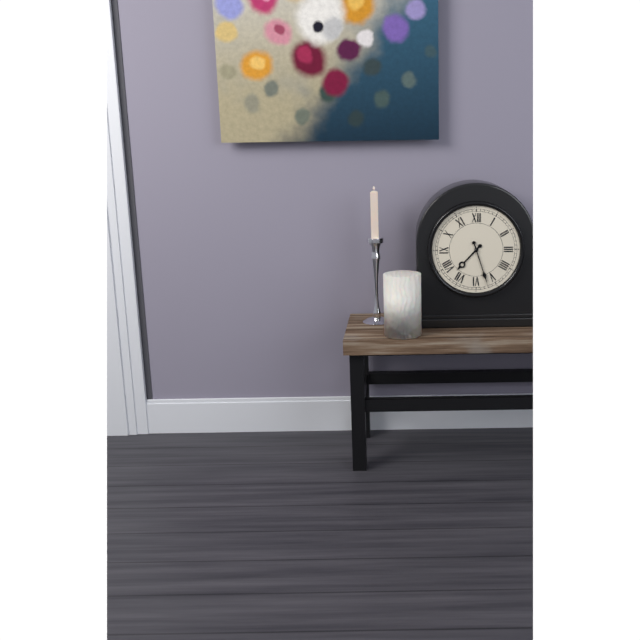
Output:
7:27
